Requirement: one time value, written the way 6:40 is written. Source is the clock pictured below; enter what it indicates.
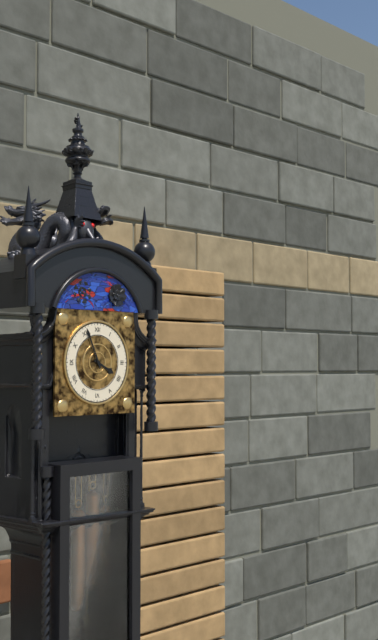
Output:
3:56
